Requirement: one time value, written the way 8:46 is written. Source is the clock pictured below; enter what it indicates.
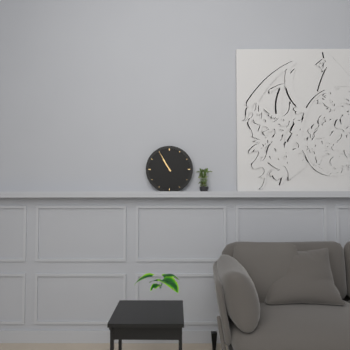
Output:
10:55
